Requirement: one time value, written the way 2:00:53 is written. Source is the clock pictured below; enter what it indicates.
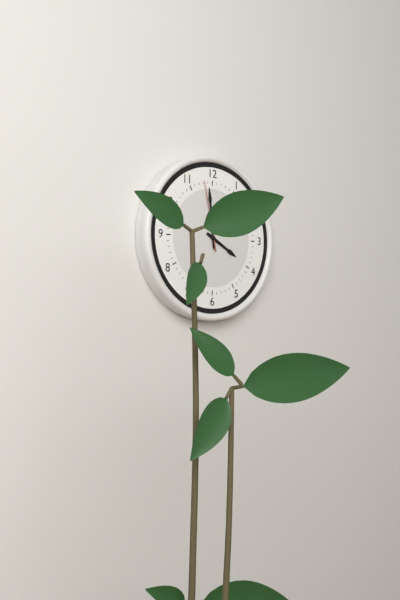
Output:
3:59:58
